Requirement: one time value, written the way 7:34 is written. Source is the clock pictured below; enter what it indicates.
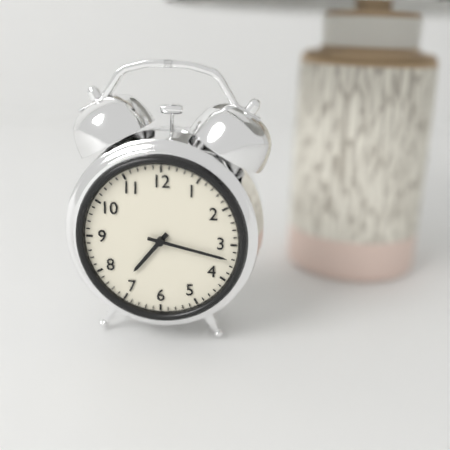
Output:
7:17
